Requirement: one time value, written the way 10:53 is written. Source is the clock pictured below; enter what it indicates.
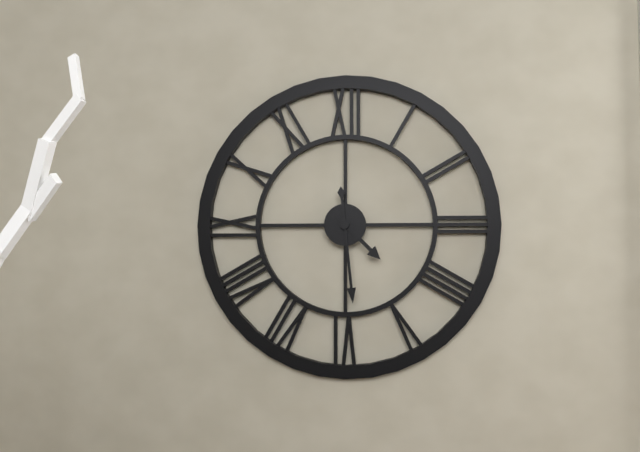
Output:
4:29
